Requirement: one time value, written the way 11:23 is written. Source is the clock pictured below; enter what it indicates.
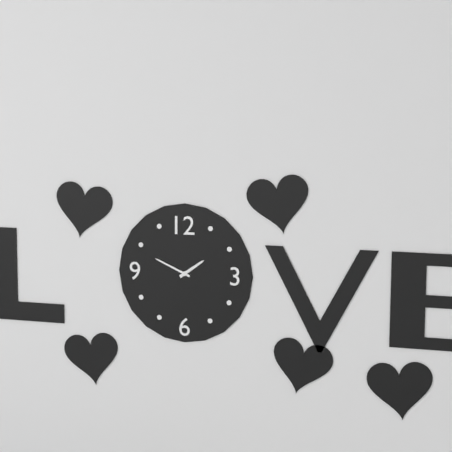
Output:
1:49
